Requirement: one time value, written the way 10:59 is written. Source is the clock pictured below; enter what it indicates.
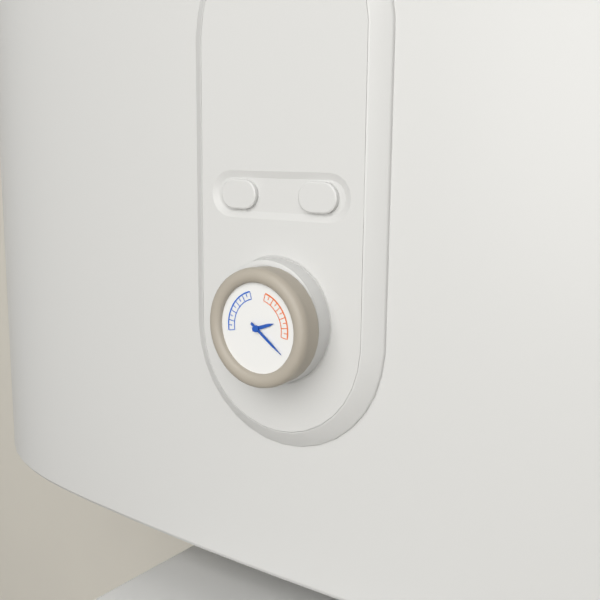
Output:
2:21
